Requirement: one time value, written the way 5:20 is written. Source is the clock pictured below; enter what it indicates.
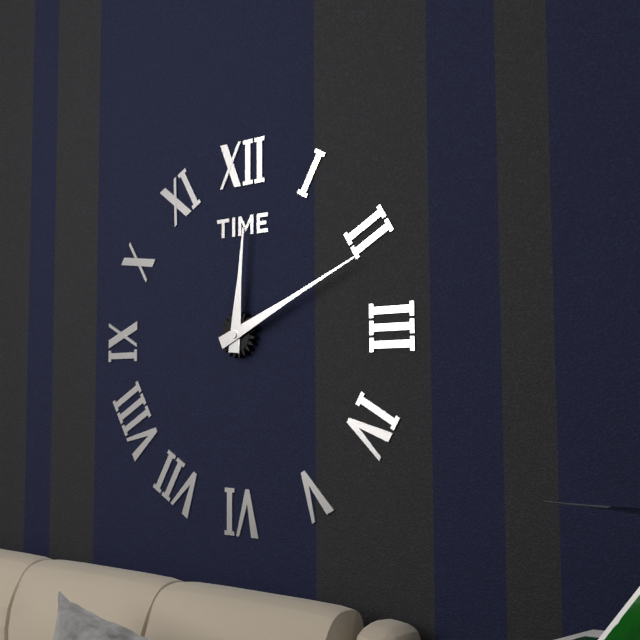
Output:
12:11
